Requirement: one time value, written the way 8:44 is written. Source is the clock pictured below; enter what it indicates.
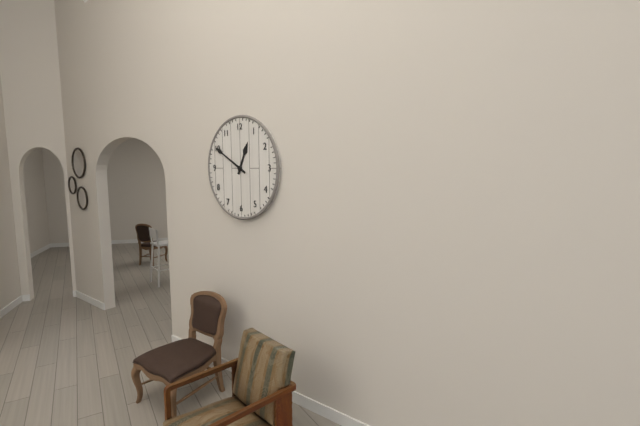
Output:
12:50
